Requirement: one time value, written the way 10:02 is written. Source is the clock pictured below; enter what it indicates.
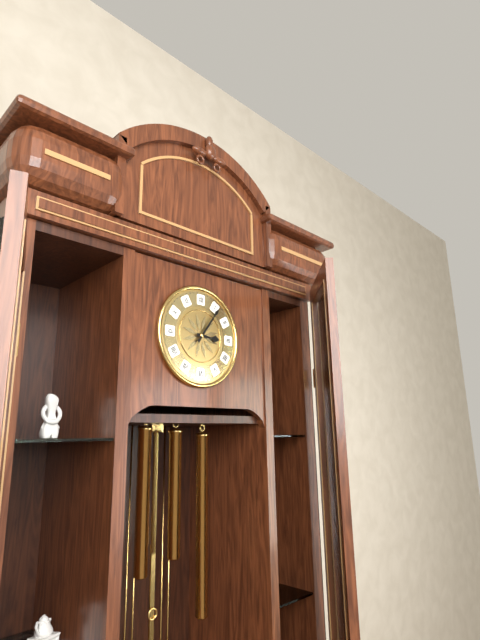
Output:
3:06
